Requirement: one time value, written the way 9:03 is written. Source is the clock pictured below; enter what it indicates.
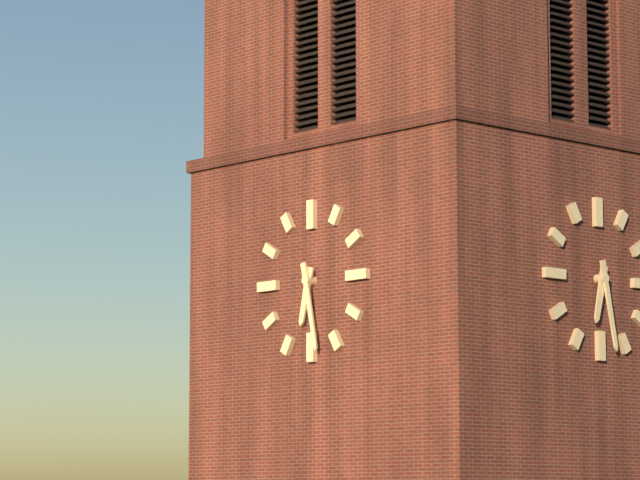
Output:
6:28
